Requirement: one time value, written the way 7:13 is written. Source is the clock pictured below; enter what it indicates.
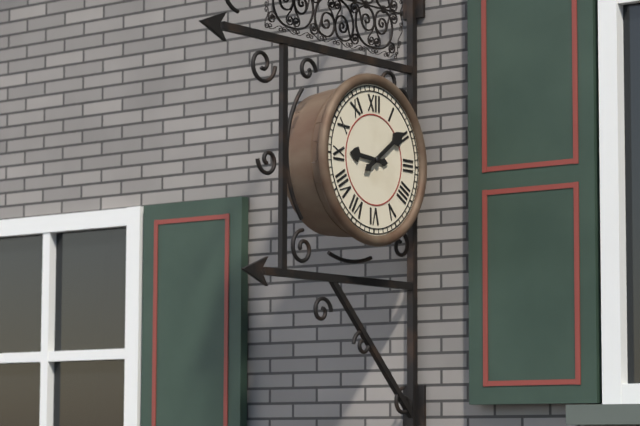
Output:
9:09
